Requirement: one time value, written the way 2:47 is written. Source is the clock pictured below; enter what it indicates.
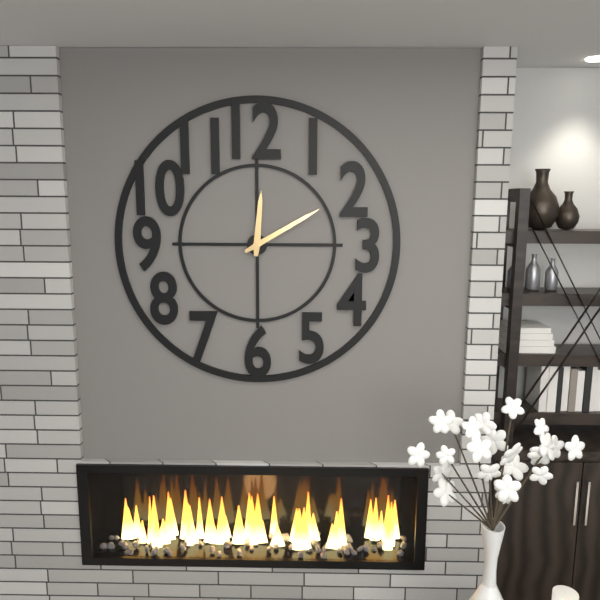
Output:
12:10
